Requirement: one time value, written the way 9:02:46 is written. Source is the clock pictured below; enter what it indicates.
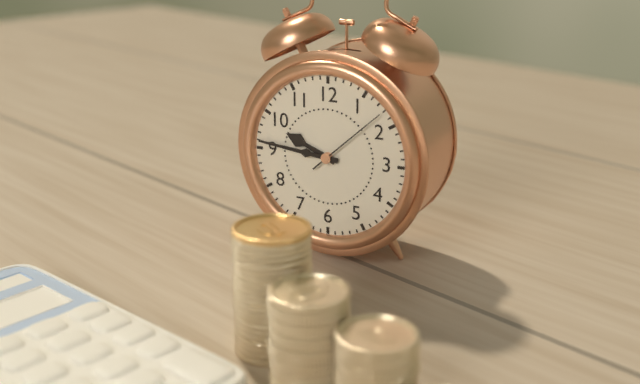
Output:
9:46:08
